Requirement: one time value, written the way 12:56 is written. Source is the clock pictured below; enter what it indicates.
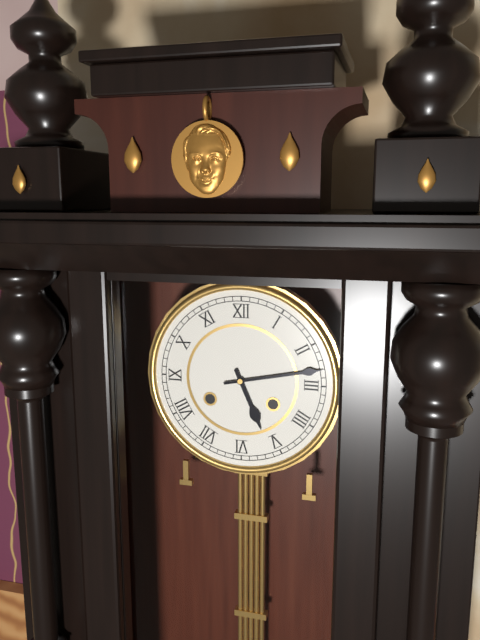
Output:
5:13
